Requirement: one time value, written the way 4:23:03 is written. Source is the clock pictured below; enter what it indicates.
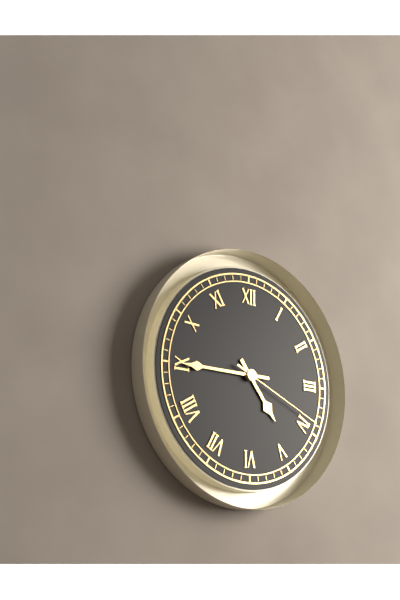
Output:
4:45:19
